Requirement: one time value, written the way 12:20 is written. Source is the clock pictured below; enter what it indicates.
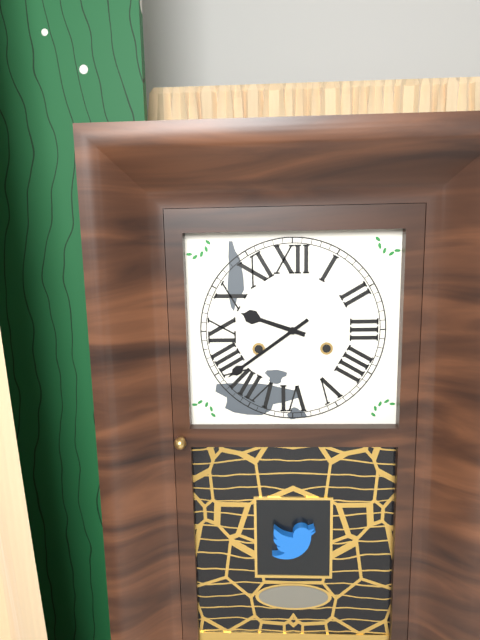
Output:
9:39
